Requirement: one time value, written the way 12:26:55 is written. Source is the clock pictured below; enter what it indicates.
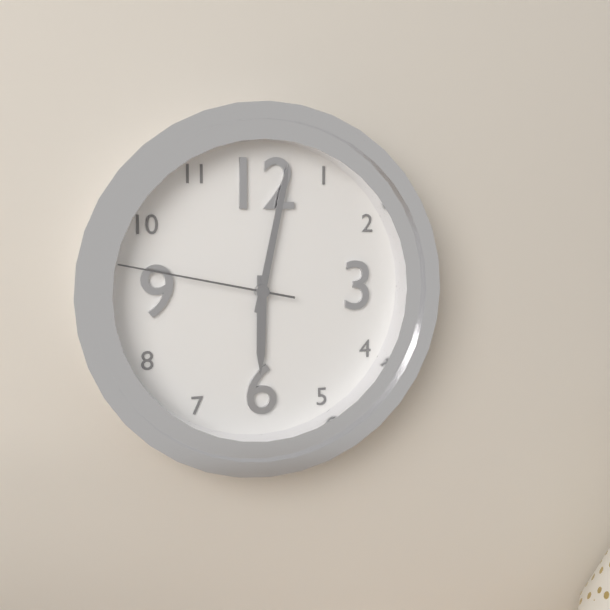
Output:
6:02:47
